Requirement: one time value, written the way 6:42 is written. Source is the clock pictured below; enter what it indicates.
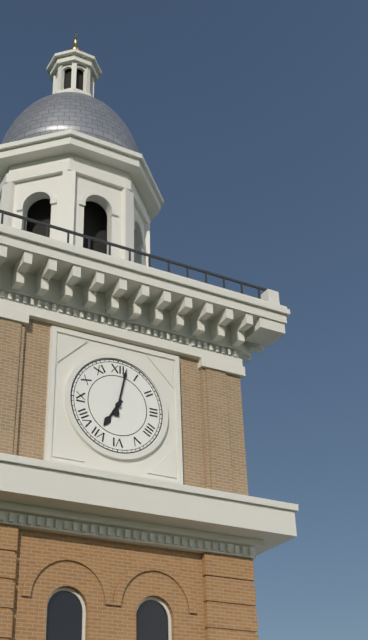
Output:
7:02
